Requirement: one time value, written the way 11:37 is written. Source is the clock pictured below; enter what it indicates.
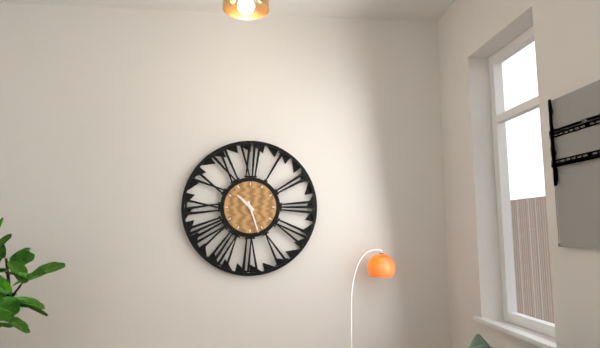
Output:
10:27
